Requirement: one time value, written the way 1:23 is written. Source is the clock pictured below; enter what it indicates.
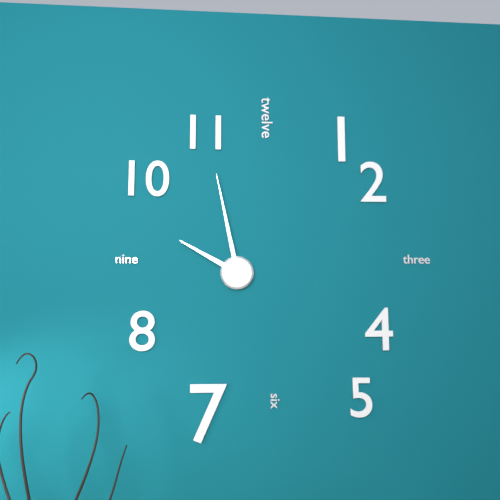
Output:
9:58
